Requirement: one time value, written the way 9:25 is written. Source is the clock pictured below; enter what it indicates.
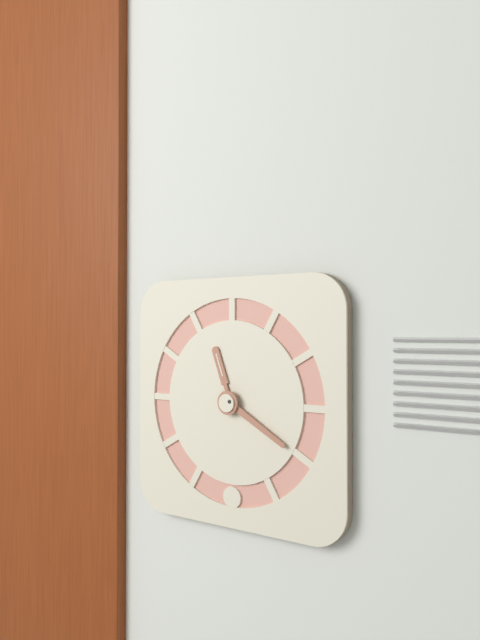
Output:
11:20
